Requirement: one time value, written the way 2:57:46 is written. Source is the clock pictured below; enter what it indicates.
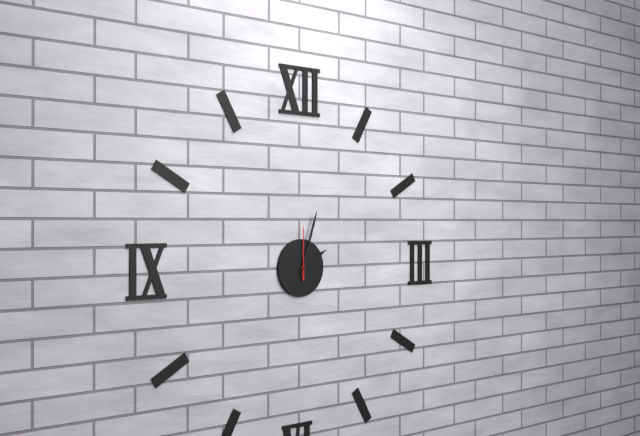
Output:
2:03:00
